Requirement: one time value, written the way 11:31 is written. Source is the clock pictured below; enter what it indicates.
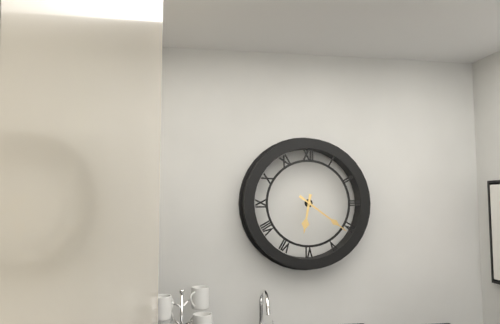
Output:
6:21
